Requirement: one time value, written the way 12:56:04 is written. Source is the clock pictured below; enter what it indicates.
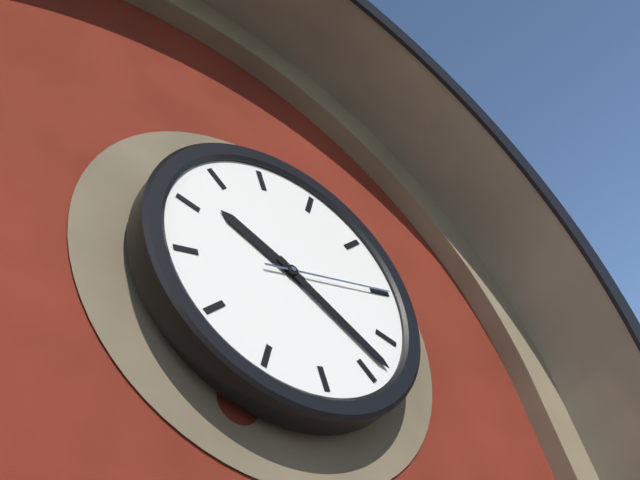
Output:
10:23:15
